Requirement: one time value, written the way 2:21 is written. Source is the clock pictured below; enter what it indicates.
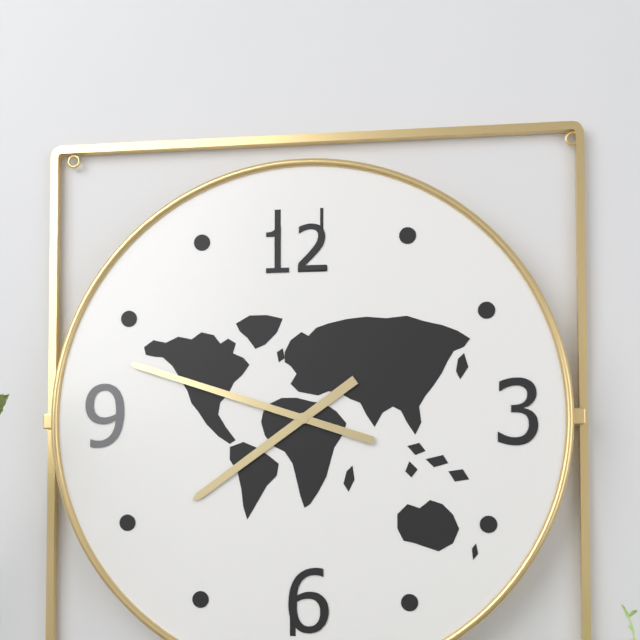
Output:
7:48
